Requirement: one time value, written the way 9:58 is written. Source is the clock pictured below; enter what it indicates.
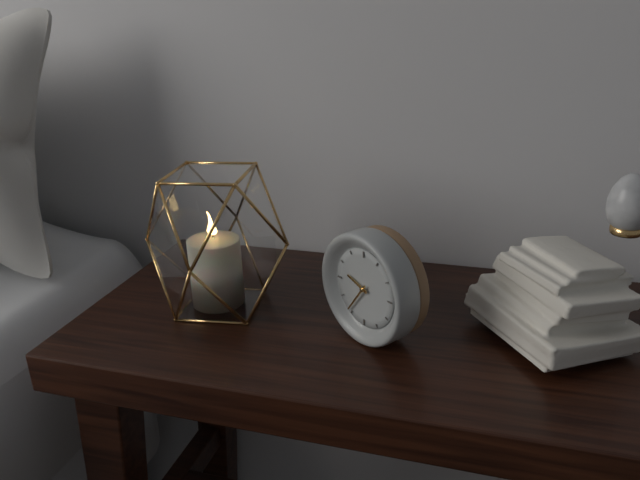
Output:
9:36
